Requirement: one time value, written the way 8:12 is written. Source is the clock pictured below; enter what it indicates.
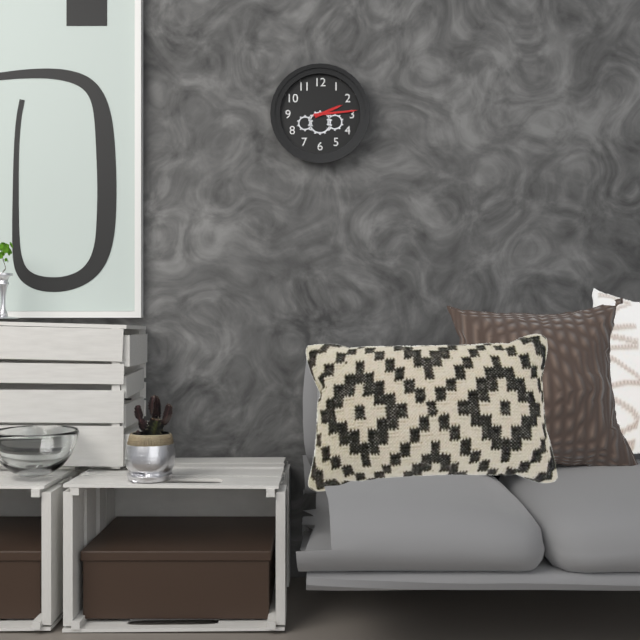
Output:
2:14
